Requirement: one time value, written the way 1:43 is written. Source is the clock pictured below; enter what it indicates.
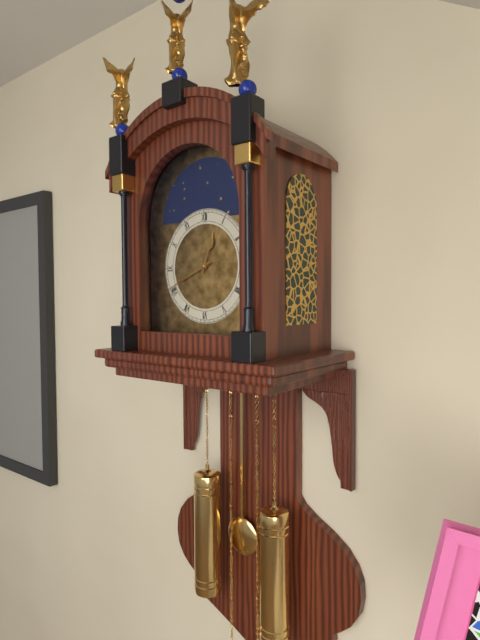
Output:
12:41
